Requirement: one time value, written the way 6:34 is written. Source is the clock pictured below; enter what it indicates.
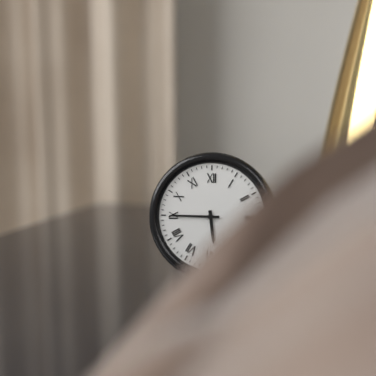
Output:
5:45
